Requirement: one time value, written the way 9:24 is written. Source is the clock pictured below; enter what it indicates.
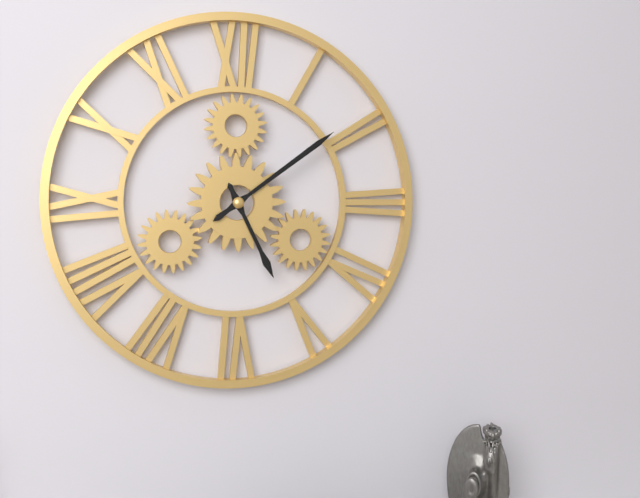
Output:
5:09
